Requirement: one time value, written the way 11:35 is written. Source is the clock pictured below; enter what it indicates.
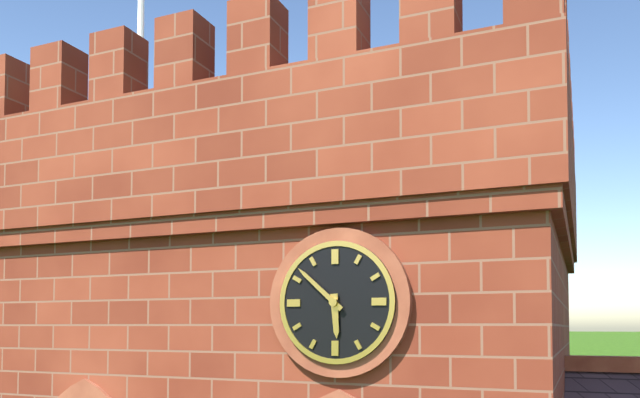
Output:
5:52
